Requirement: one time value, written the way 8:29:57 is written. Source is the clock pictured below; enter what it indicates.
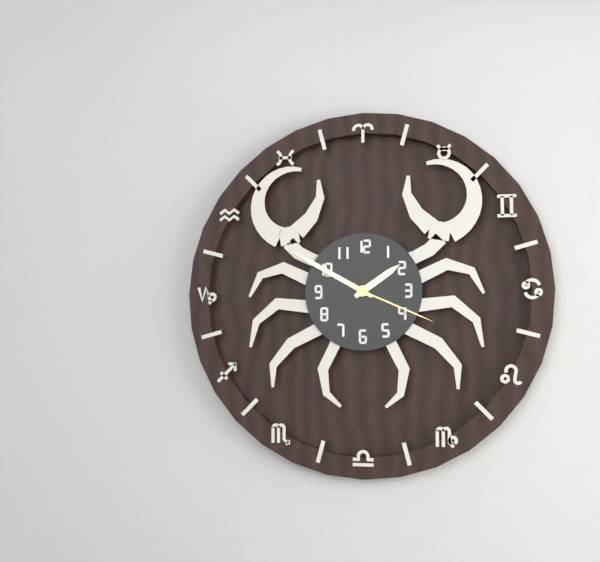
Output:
1:50:19
